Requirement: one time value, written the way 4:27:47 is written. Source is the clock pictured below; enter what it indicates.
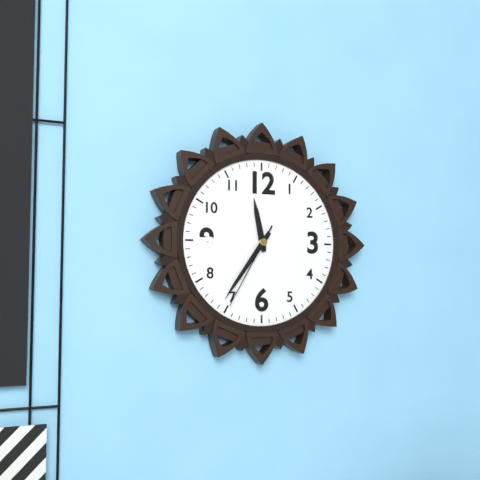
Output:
11:36:35
